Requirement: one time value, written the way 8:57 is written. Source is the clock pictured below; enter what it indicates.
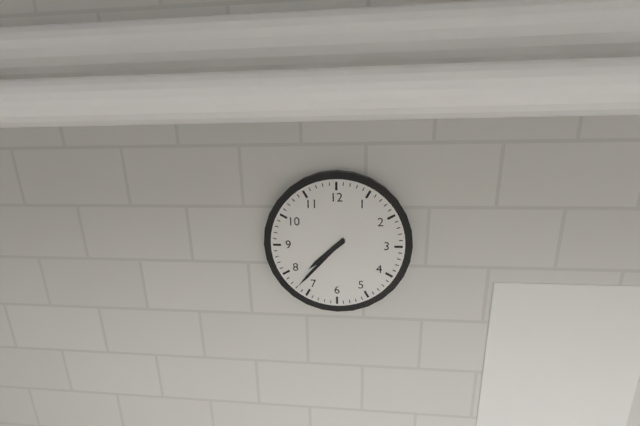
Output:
7:37
